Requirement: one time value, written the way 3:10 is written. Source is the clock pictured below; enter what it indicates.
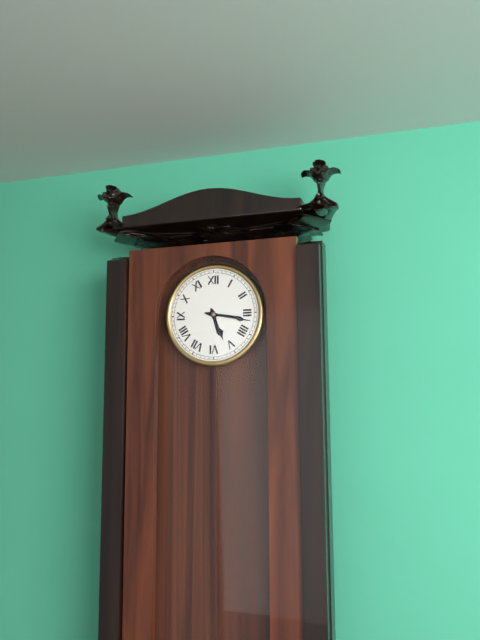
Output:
5:17
